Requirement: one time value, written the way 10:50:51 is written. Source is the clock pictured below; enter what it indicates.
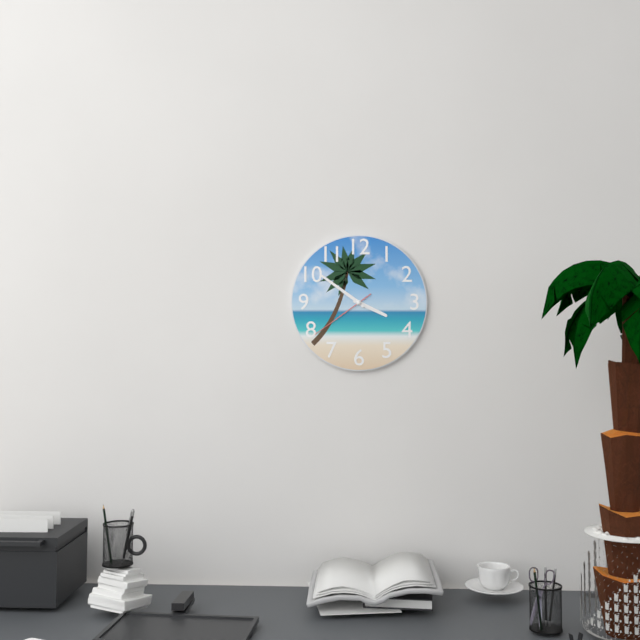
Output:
3:51:39
